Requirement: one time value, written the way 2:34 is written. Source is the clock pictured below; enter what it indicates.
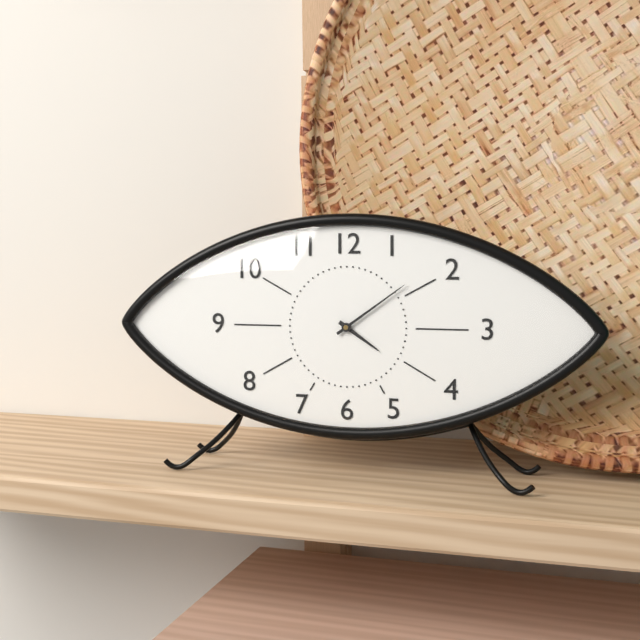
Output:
4:09
